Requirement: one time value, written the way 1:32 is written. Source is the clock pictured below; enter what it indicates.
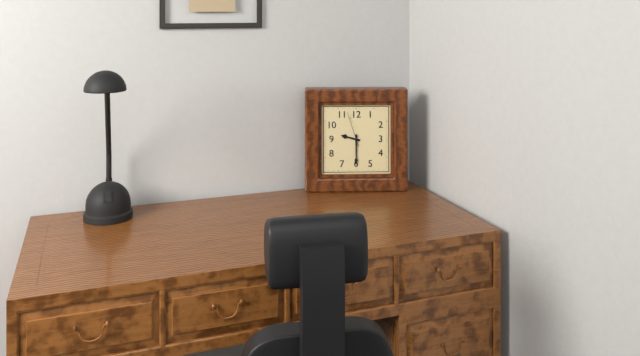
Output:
9:30
